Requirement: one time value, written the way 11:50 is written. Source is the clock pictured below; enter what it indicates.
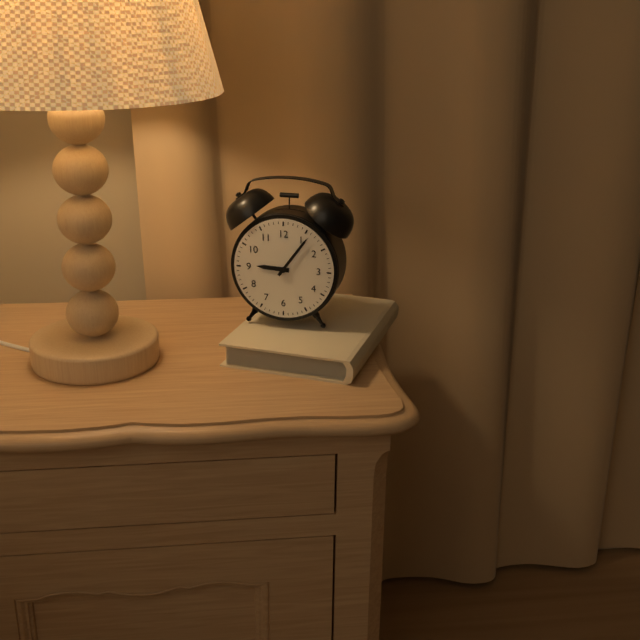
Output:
9:06
